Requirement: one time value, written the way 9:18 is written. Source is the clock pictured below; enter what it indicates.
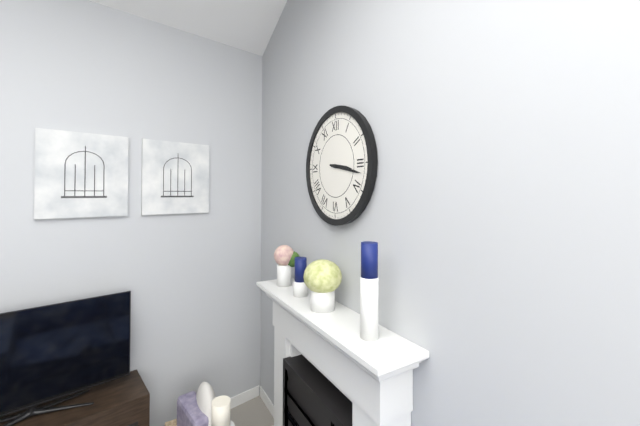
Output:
3:17
